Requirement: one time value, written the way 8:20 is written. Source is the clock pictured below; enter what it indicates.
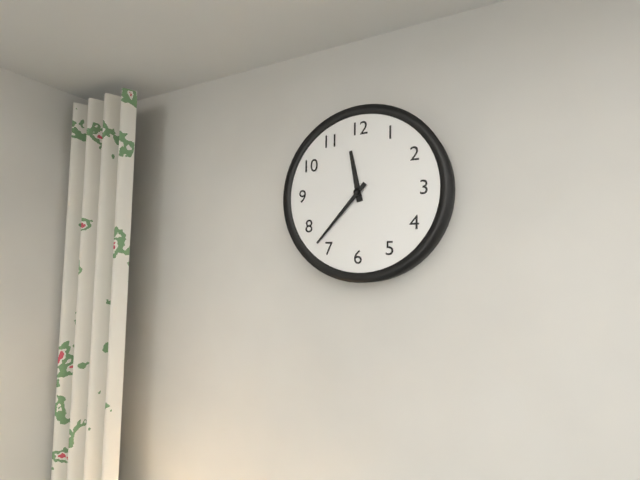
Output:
11:37
